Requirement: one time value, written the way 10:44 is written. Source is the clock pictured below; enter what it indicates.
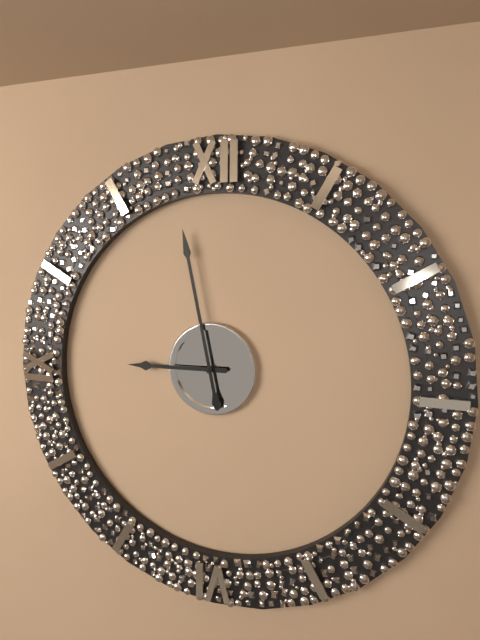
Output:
8:58
